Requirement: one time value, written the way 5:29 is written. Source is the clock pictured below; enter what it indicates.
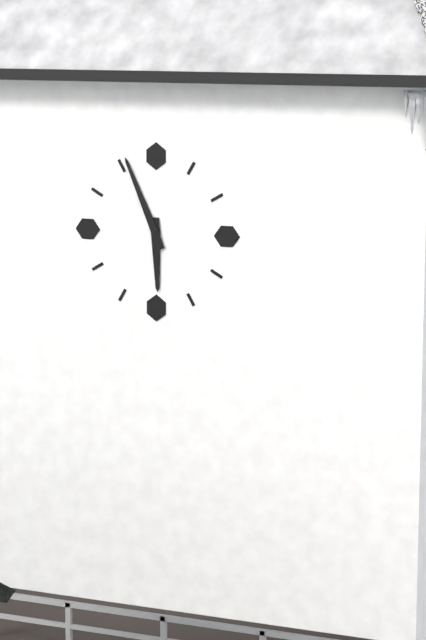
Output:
5:56
